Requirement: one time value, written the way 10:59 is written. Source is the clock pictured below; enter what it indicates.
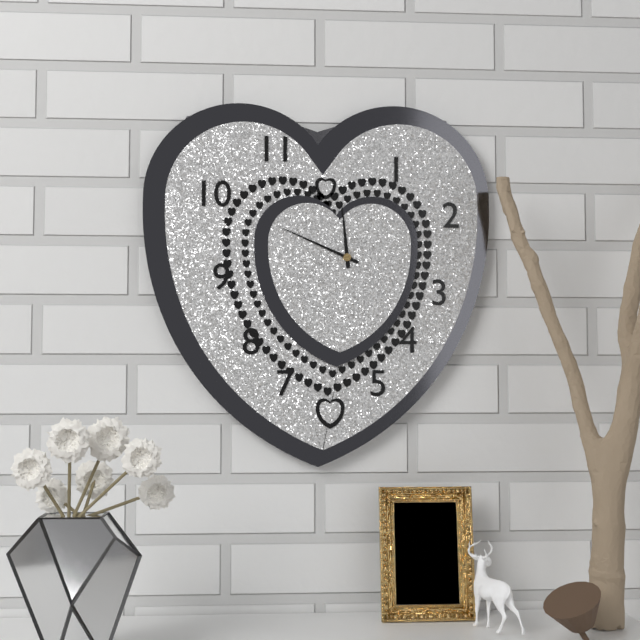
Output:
11:49
